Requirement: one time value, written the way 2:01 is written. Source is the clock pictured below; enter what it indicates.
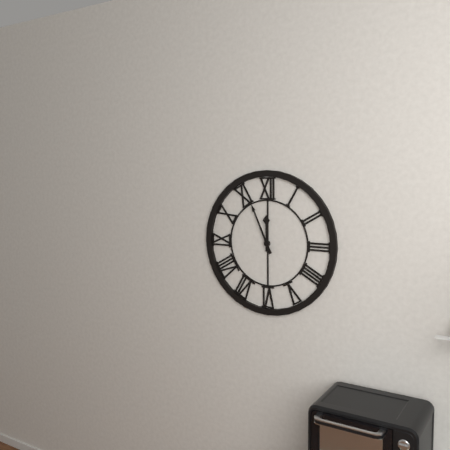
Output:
11:56
